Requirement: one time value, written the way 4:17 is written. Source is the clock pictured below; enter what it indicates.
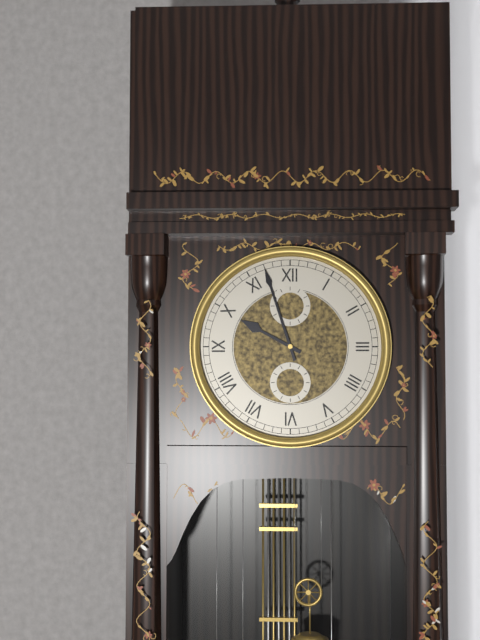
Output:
9:57
